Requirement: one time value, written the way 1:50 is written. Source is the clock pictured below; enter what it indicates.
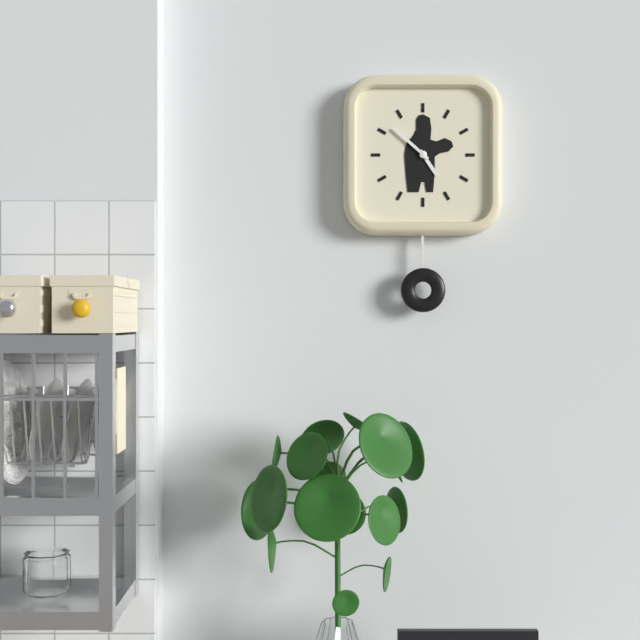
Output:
4:52
